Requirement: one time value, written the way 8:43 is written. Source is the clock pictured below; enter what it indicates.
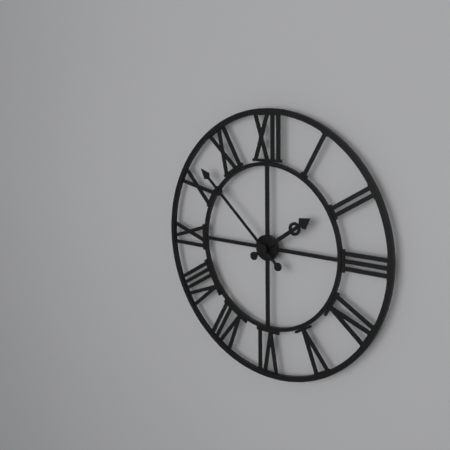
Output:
1:52
